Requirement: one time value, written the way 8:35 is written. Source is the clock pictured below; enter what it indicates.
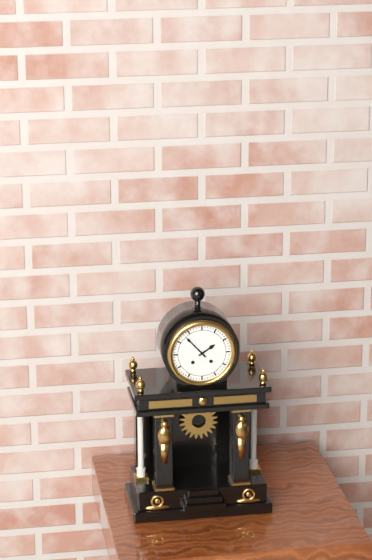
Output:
1:53
